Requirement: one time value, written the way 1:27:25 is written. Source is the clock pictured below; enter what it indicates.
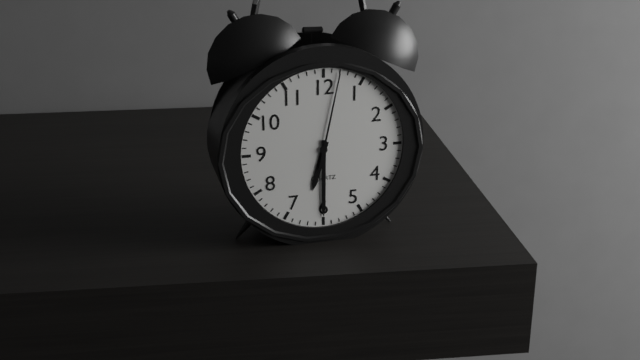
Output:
6:30:02
